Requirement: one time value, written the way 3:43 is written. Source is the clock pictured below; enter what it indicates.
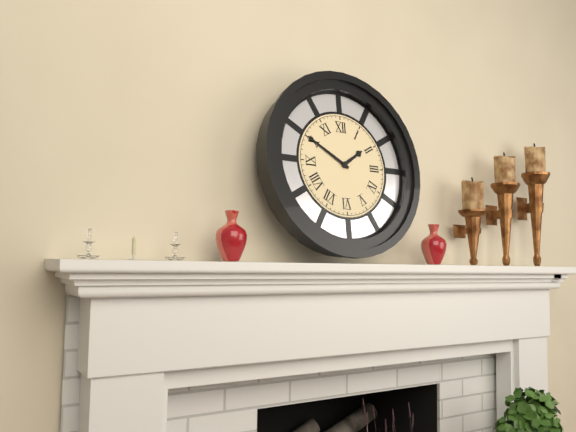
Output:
1:50
